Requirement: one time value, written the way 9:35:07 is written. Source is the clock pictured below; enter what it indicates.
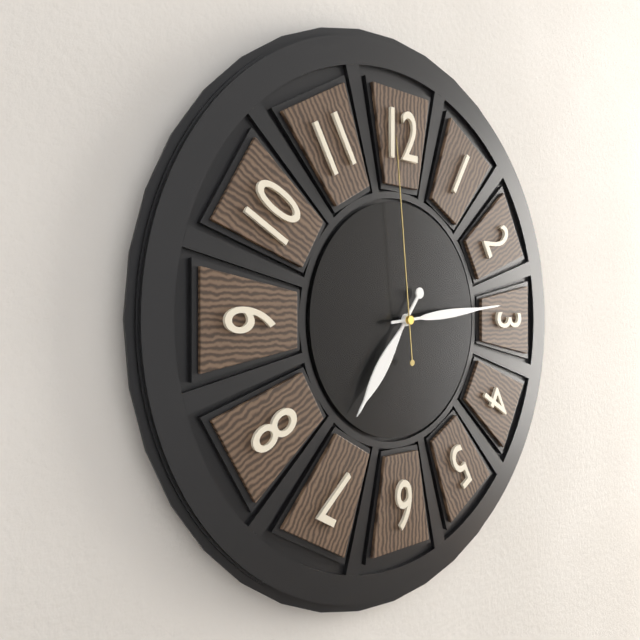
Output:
7:14:59
